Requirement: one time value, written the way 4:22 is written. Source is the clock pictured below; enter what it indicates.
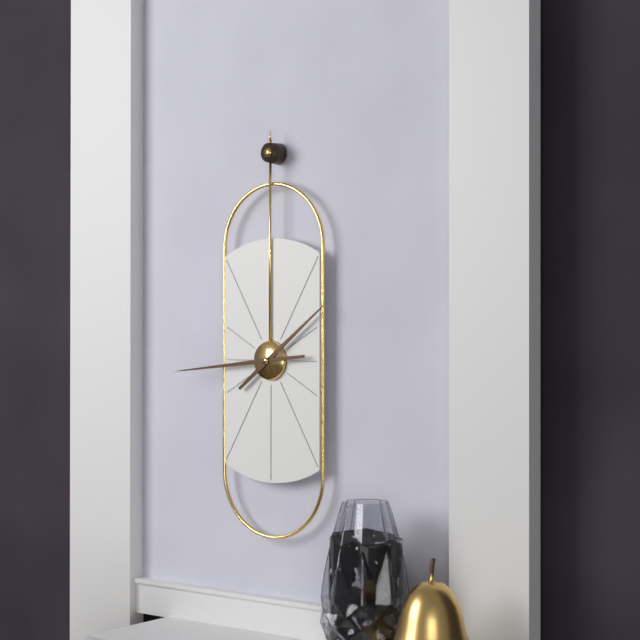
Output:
1:44
